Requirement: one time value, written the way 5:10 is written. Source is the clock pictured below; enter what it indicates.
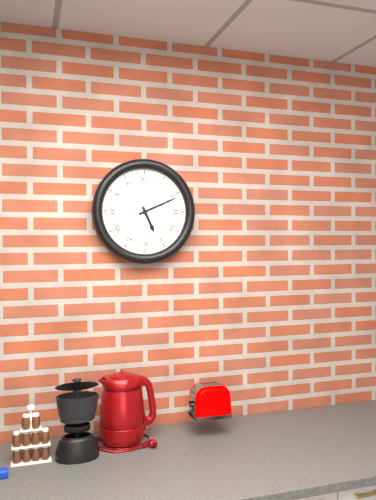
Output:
5:11
